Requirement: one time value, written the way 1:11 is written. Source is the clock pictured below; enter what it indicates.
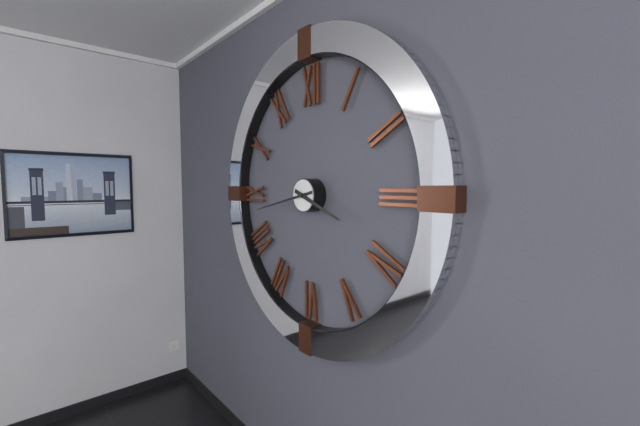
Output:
3:43
